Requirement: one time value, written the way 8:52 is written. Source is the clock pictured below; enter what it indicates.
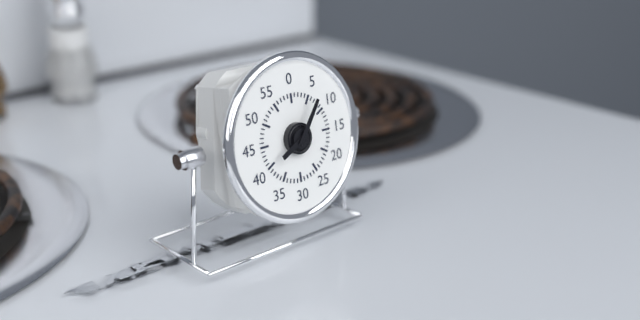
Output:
8:06
